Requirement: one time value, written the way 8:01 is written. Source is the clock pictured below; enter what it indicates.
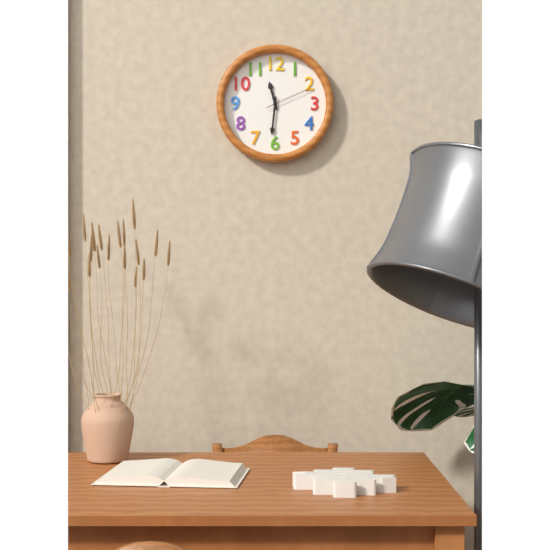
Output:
11:31
